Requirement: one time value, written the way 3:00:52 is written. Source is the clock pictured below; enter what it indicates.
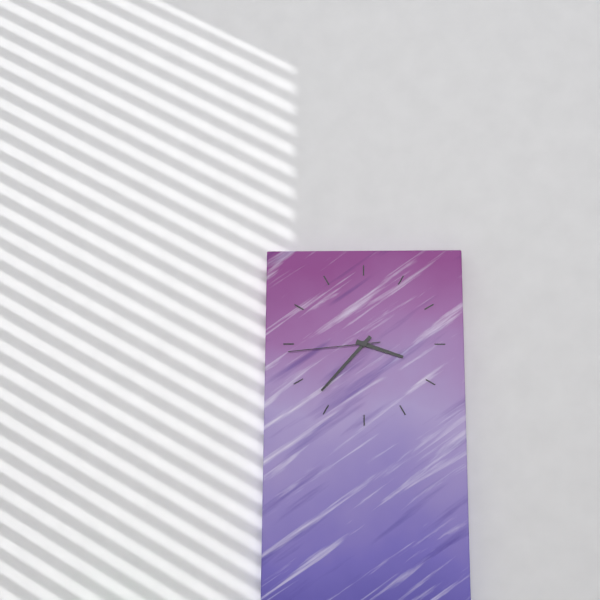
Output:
3:37:44
